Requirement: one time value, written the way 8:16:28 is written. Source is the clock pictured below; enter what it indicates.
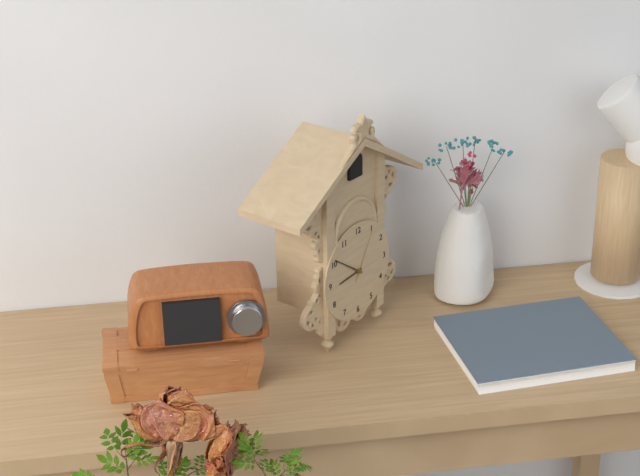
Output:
8:51:05
